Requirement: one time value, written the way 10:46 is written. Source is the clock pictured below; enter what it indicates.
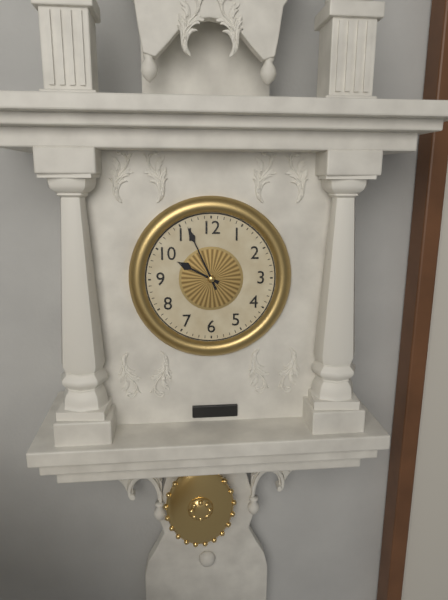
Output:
9:56
